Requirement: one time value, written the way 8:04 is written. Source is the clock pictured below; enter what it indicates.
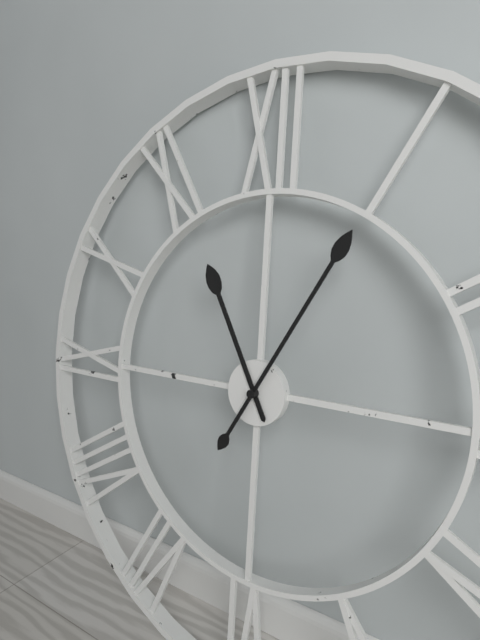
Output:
11:05
